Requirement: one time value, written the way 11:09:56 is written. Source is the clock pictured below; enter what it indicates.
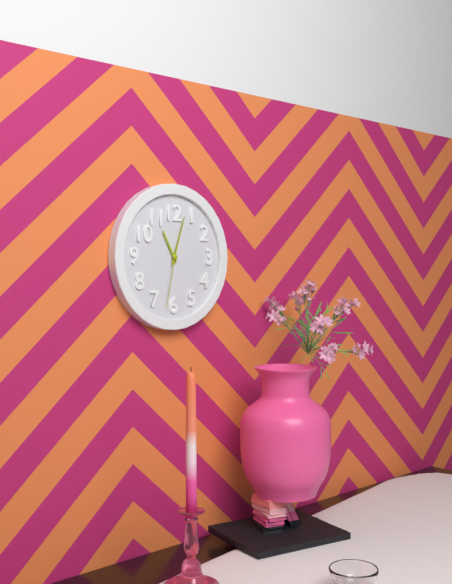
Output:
11:03:32
